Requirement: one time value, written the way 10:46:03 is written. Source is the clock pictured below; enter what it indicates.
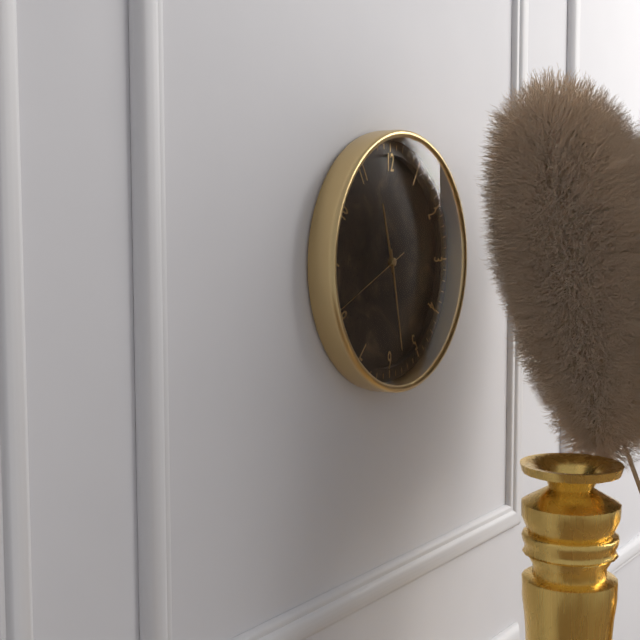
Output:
11:28:41
